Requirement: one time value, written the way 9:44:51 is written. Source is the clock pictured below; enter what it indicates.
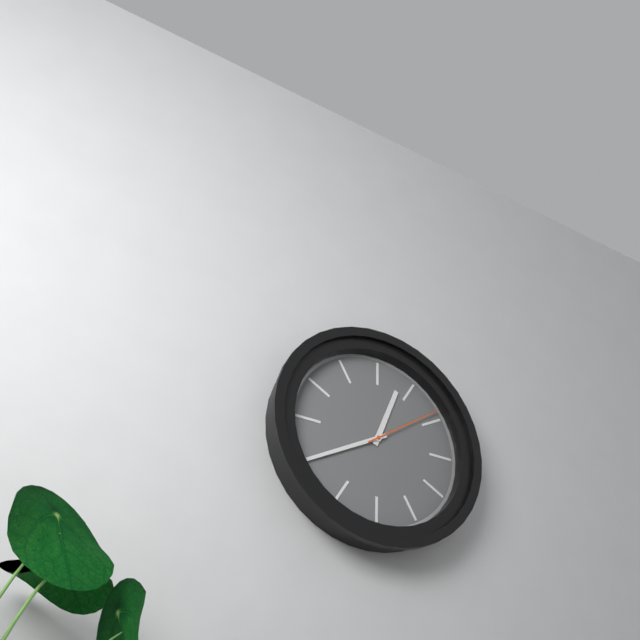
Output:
12:40:09
